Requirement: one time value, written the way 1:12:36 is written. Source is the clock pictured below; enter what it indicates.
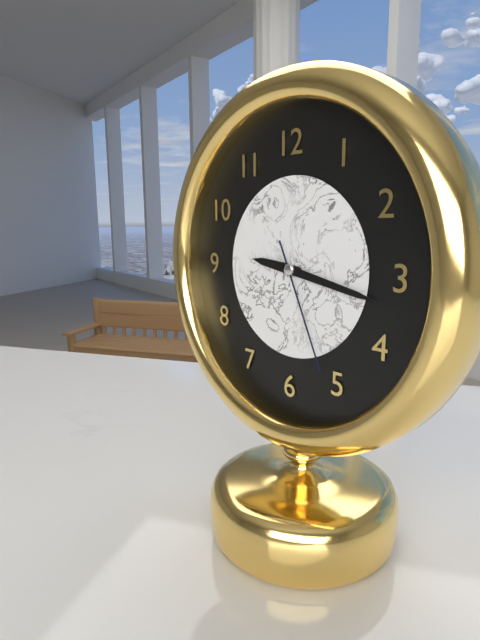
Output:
9:17:26
